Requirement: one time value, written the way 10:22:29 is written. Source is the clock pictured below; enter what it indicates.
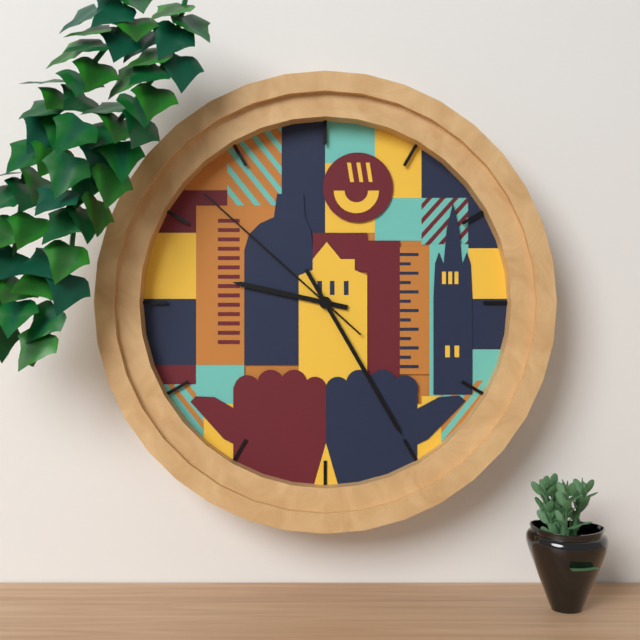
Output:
9:25:52
